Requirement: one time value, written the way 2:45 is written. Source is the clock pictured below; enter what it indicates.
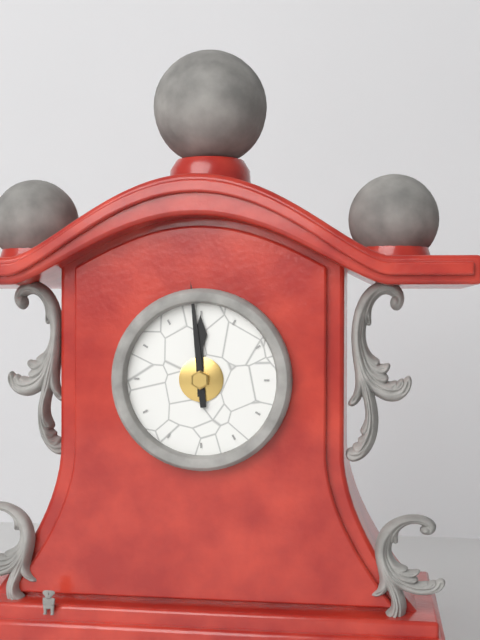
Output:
11:59
